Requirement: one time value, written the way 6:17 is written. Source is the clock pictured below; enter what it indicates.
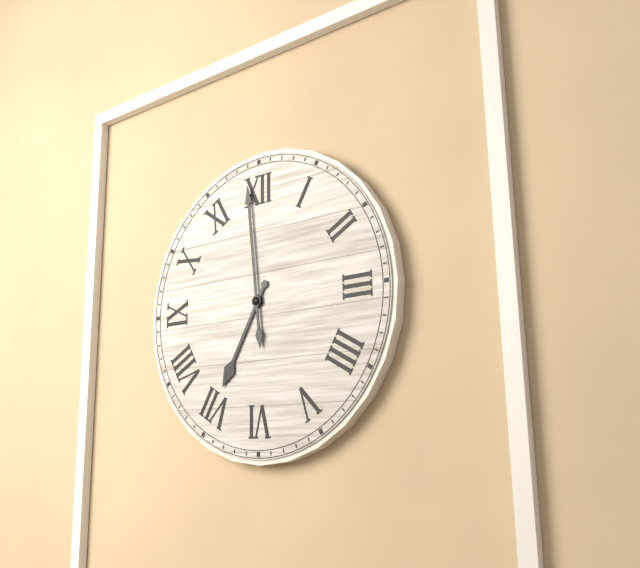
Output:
6:59
